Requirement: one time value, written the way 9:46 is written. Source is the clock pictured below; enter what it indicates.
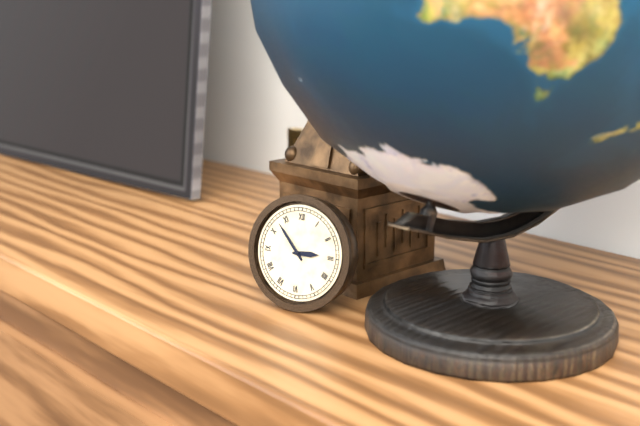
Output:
2:53
